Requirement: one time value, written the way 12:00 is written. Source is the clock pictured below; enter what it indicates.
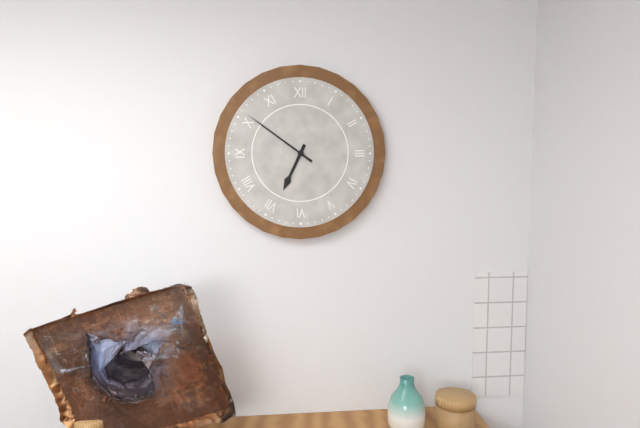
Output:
6:51
